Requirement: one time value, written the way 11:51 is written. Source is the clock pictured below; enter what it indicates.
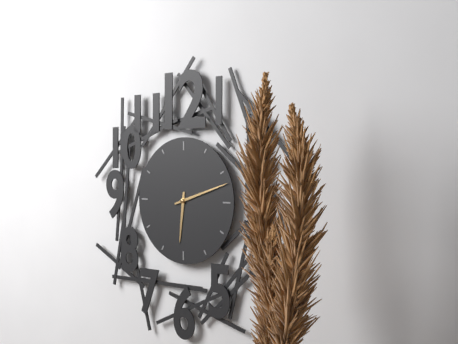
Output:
6:12
